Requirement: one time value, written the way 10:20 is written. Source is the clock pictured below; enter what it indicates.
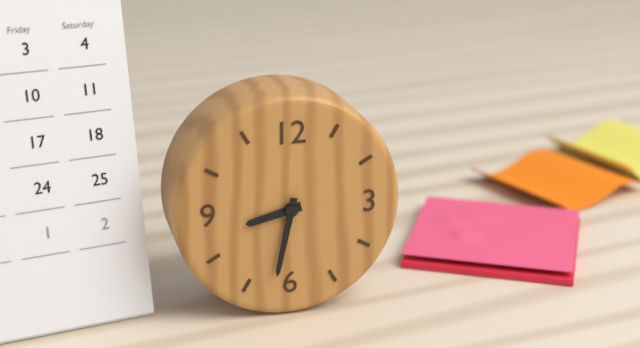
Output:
8:32
